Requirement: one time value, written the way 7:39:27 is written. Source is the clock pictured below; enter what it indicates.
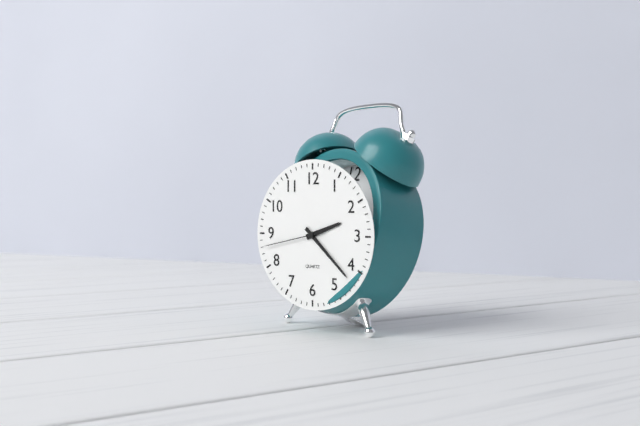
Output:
2:22:43
